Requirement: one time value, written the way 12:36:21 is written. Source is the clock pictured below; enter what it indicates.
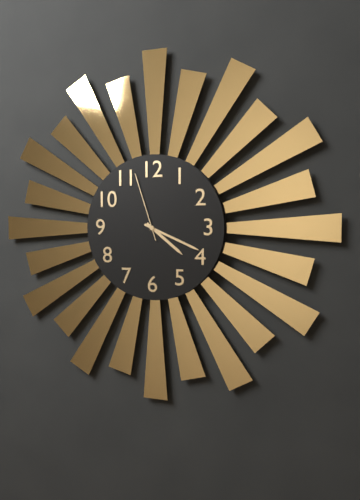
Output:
4:19:57
